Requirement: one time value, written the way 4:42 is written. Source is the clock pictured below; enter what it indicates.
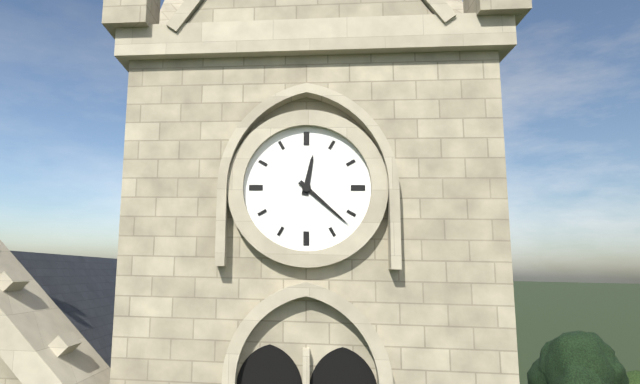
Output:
12:22
